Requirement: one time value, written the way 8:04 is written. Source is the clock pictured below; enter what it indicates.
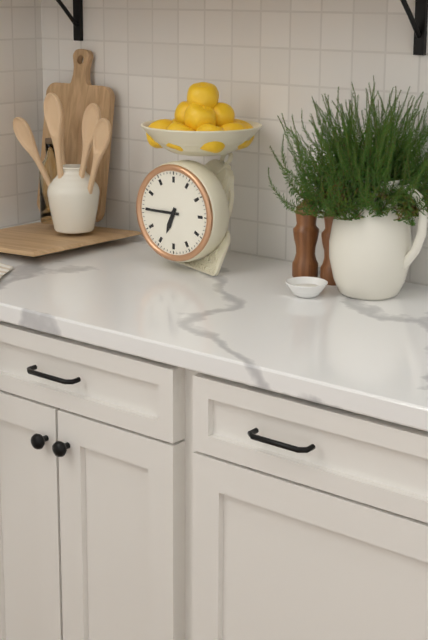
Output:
6:45
